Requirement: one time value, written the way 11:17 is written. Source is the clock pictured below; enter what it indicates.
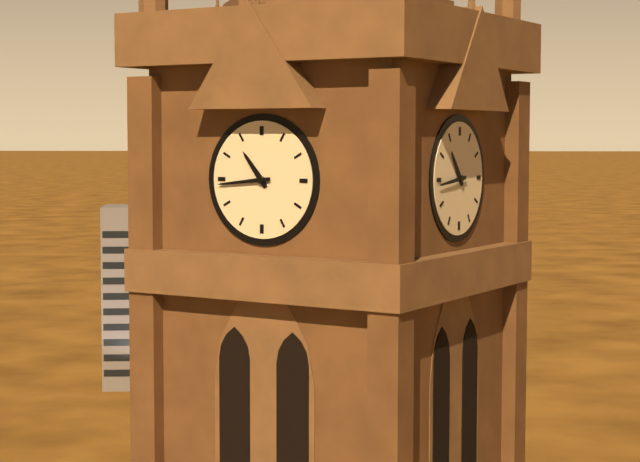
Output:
10:44
